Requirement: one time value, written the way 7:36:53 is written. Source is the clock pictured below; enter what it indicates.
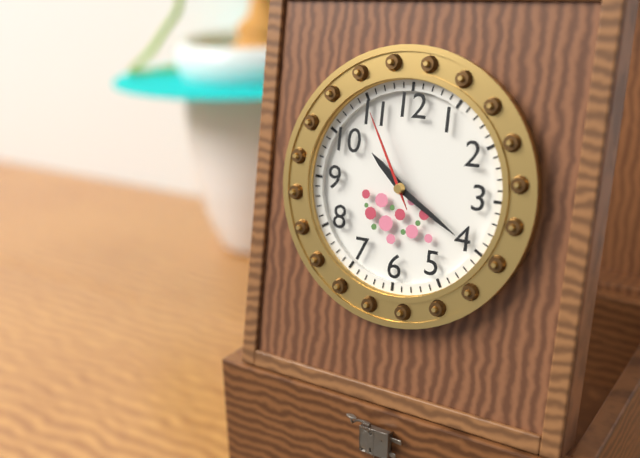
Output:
10:20:55
